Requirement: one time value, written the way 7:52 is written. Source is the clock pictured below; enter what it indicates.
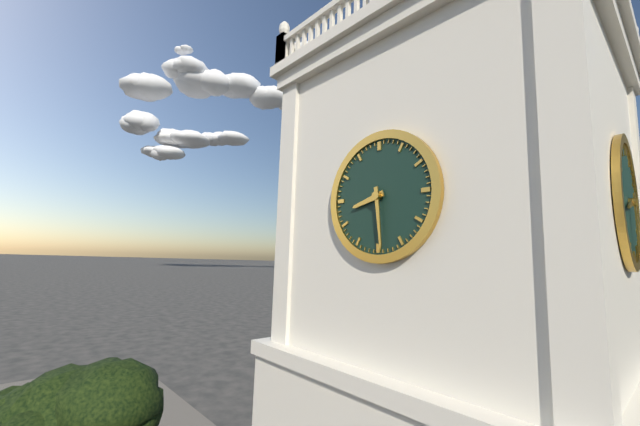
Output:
8:29
